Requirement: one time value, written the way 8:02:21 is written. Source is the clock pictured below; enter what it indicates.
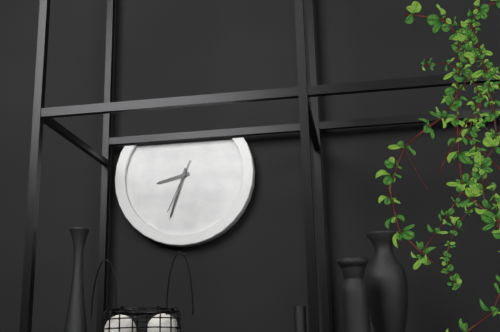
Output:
8:33:34
